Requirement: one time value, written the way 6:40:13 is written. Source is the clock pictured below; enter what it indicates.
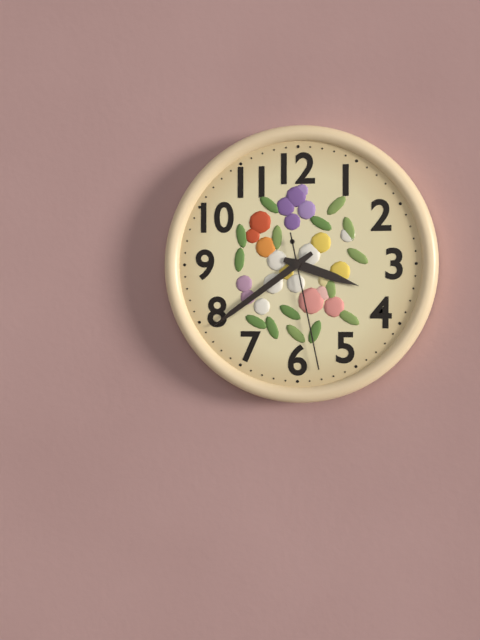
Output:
3:39:28
